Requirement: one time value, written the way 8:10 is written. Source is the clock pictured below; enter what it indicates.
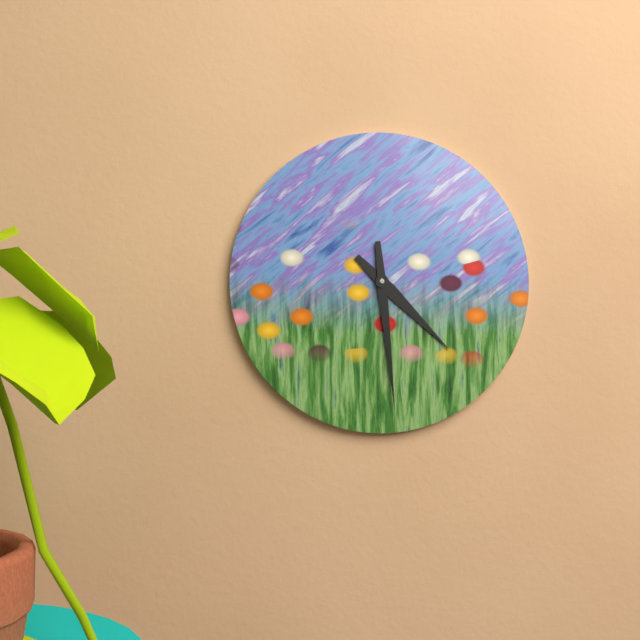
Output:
4:29
